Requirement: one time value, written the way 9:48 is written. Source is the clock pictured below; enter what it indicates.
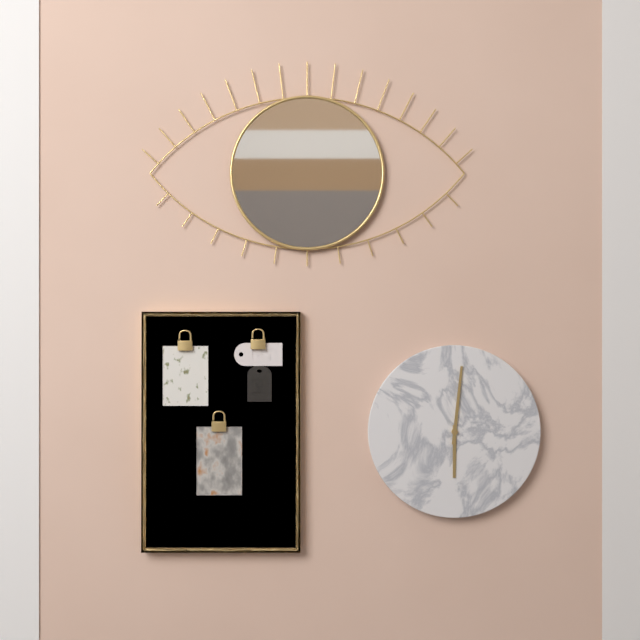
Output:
6:01
